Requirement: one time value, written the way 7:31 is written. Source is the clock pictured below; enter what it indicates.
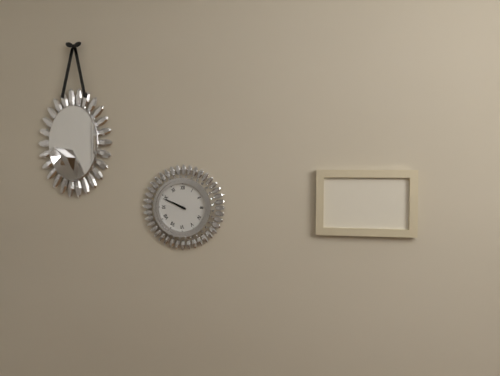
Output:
9:49
